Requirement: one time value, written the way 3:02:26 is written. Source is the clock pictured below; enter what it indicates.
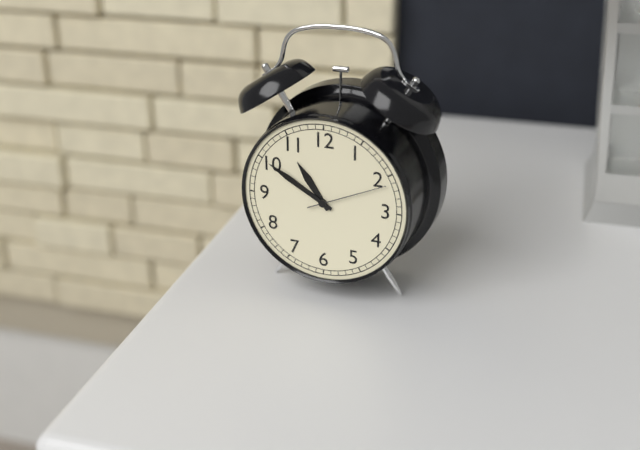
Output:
10:50:11
